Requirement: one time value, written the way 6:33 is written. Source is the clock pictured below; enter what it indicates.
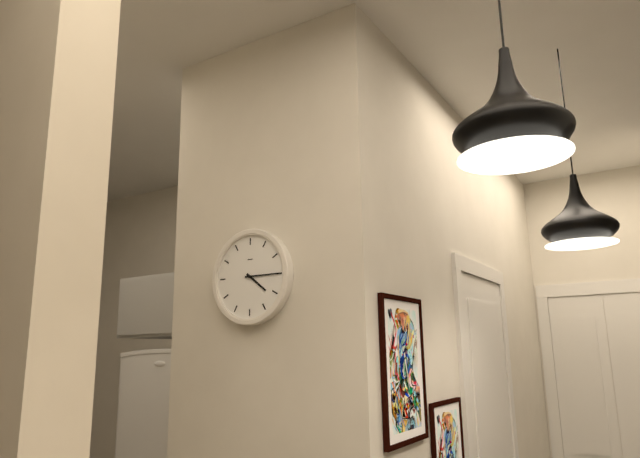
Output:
4:15
